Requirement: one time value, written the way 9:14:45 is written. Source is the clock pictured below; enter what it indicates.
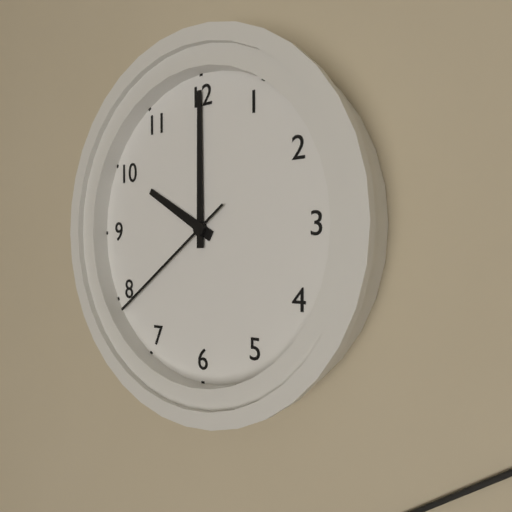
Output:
10:00:39
